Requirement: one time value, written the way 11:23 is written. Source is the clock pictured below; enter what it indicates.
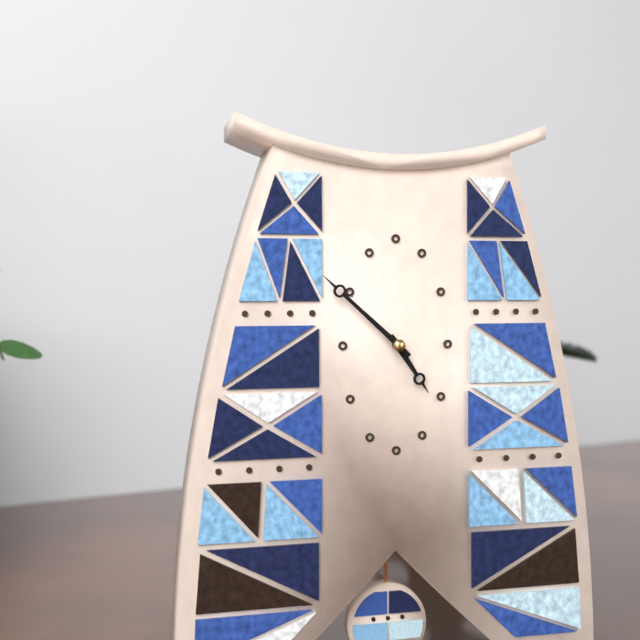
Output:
4:52
